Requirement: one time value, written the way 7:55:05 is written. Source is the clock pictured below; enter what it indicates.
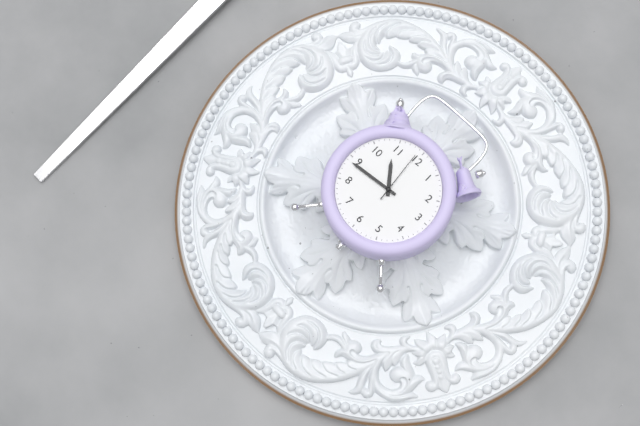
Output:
10:44:59
